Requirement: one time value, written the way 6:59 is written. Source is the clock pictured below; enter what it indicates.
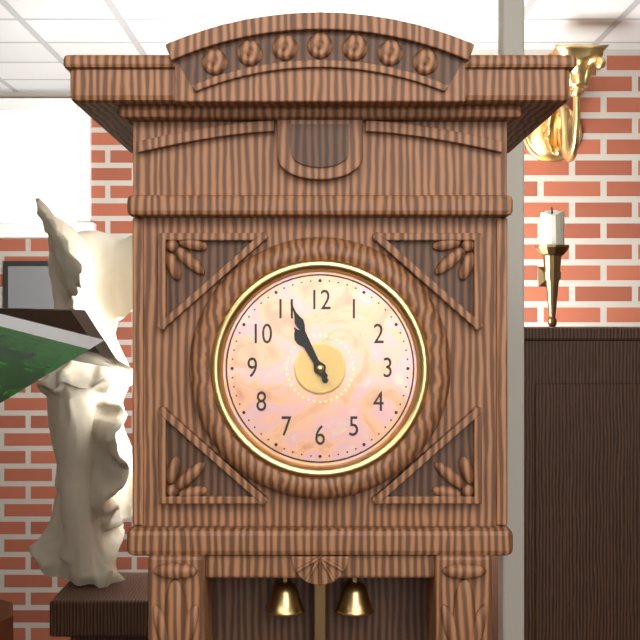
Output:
10:56
